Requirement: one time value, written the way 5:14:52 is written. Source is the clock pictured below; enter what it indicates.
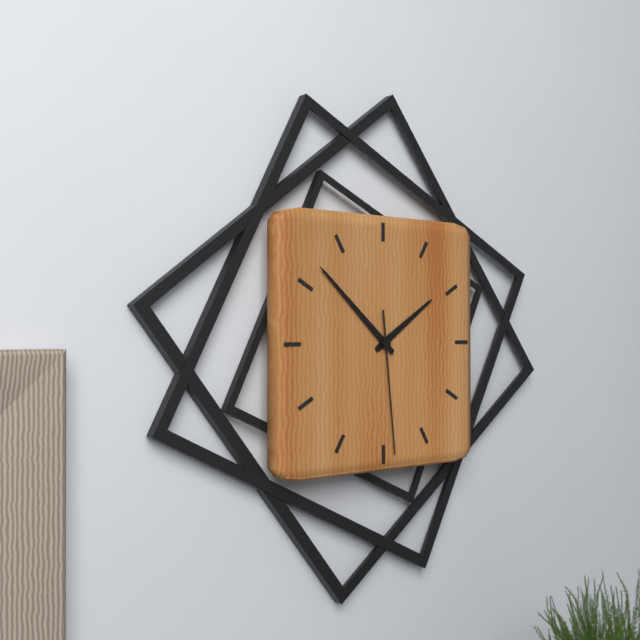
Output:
1:52:29
